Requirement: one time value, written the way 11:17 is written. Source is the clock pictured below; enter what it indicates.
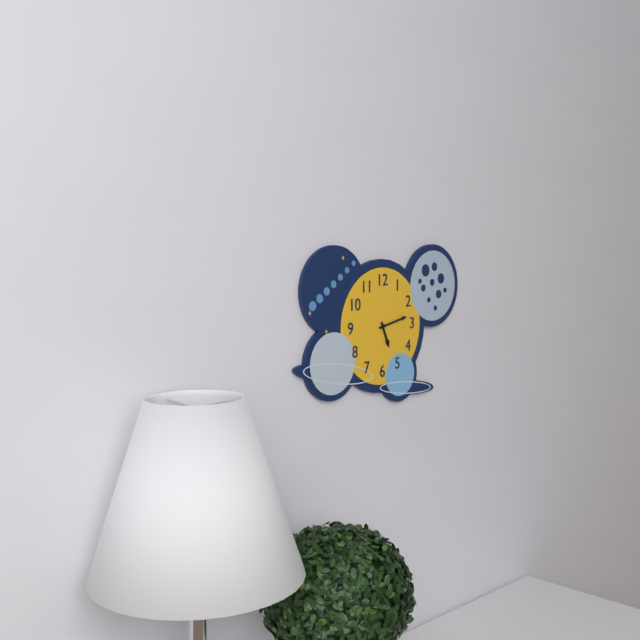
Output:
5:13
